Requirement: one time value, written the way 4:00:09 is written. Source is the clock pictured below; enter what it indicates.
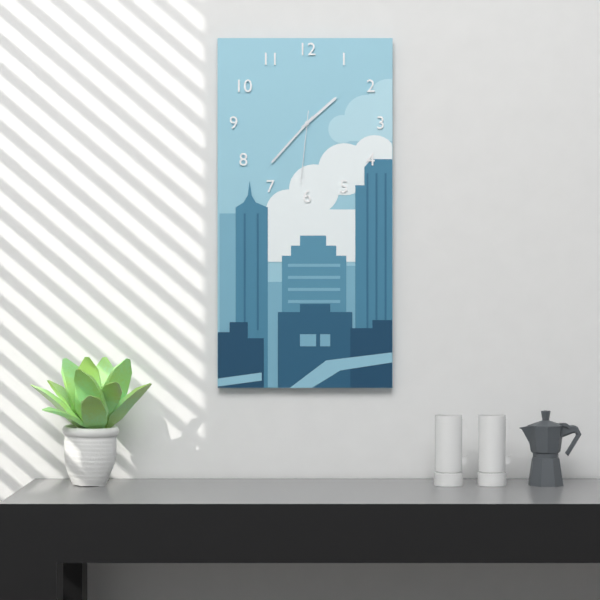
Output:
1:37:31
